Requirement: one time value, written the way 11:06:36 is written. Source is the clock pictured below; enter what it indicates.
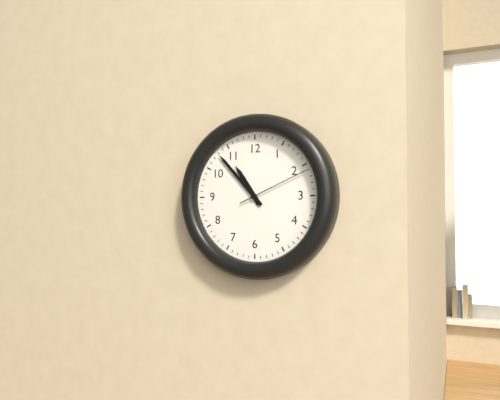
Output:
10:53:11
